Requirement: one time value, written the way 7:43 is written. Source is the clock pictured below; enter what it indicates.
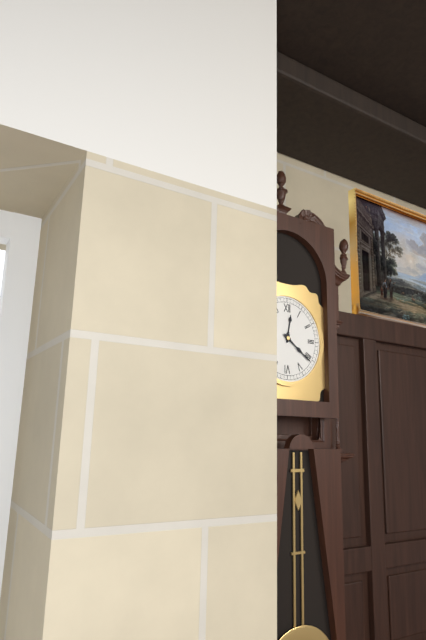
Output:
12:21
